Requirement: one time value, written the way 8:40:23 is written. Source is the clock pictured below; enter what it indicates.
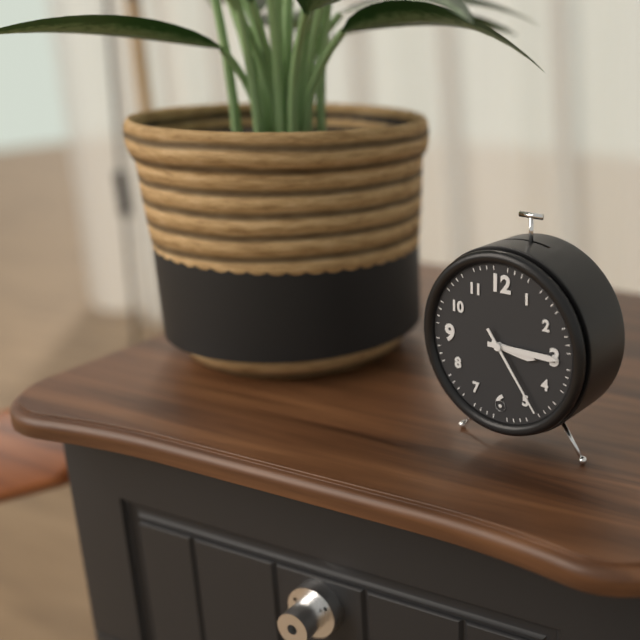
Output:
3:15:24
